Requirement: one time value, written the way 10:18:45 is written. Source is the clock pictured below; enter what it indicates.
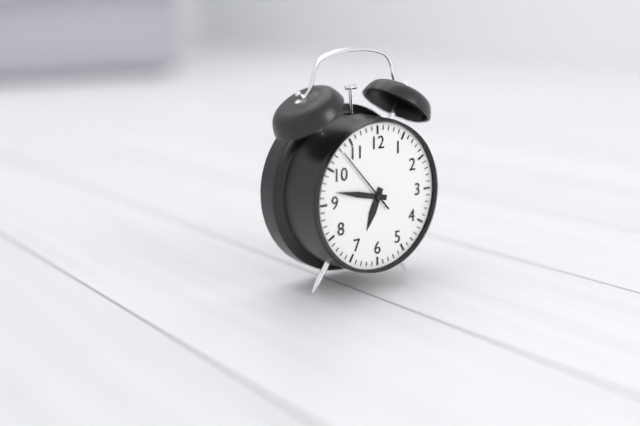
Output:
6:47:53
